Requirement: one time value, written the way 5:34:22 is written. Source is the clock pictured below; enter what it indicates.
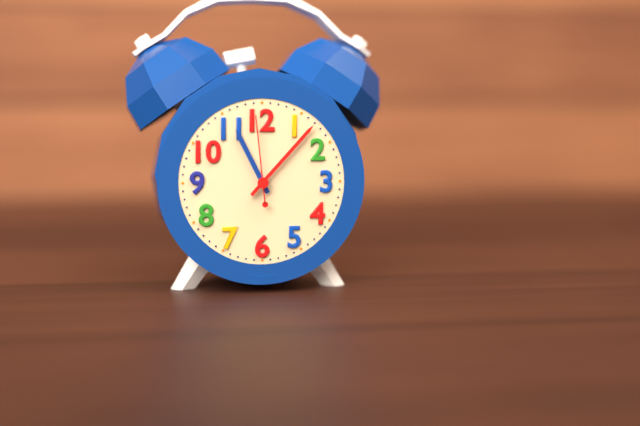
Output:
11:07:59
